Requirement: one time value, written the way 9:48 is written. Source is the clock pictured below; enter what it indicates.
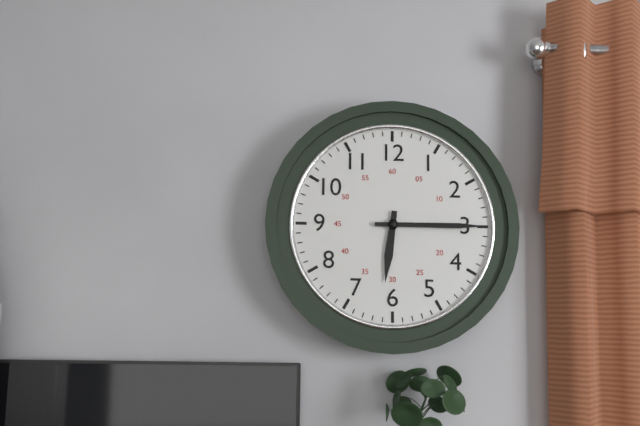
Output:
6:15
